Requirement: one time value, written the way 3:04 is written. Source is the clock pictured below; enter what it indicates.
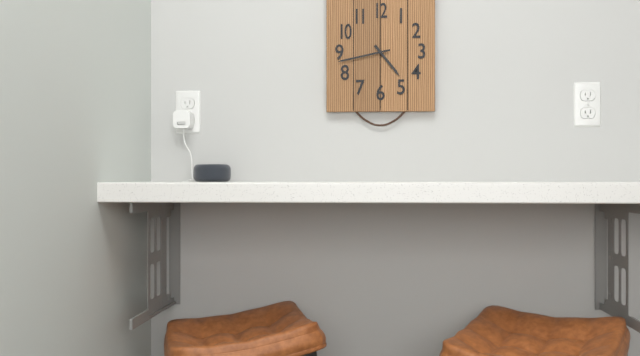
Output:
4:43
